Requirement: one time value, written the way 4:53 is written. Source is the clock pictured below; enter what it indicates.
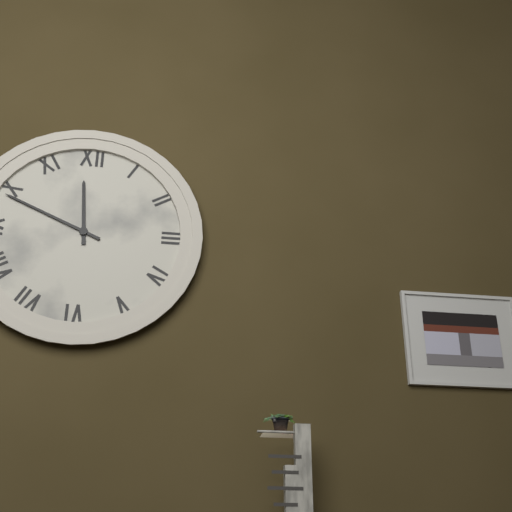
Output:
11:49
